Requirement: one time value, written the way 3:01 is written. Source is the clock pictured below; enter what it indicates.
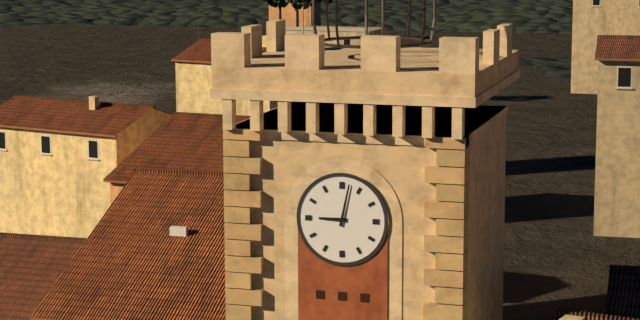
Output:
9:02
